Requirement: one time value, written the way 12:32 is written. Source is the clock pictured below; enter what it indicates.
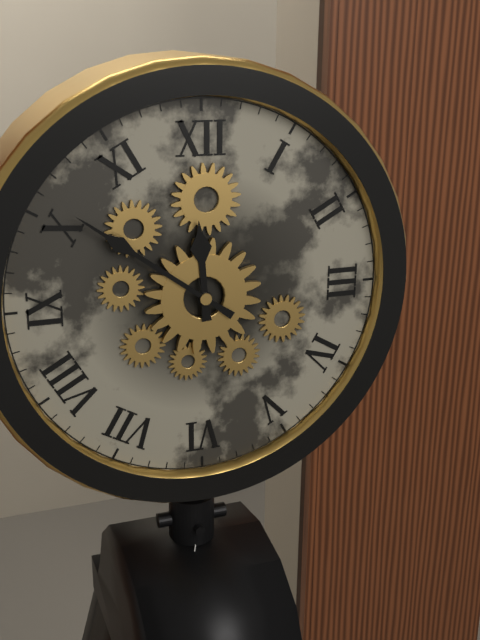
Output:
11:51
